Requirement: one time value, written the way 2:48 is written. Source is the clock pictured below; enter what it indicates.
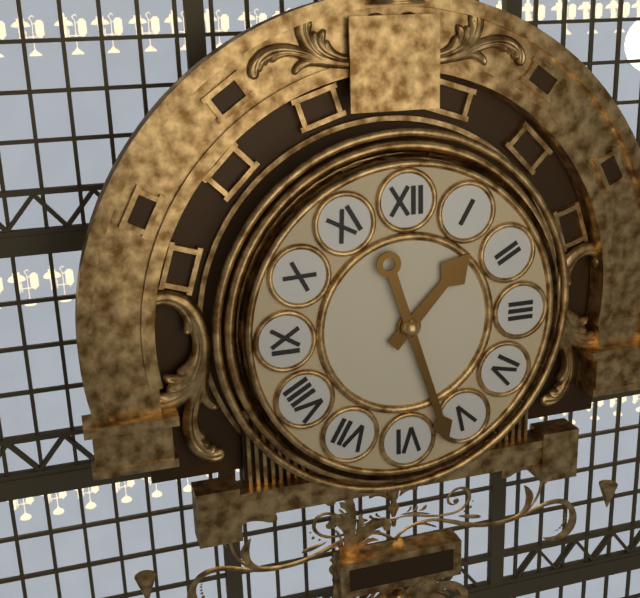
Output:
1:27
